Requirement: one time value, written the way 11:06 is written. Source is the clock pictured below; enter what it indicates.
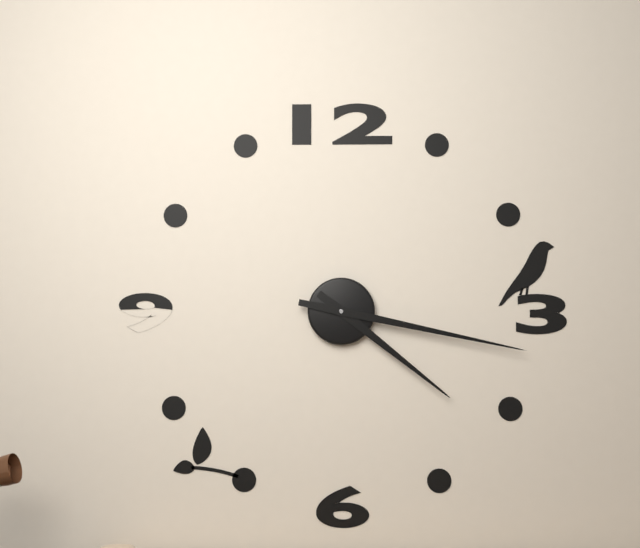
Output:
4:17
